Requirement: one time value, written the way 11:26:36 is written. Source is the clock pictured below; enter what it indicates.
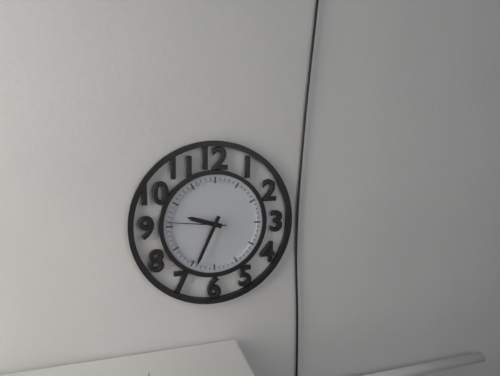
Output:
9:34:46
